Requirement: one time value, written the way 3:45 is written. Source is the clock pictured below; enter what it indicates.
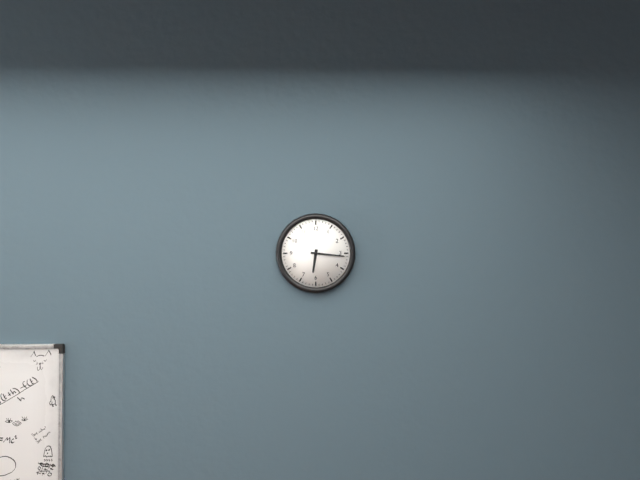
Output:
6:16
